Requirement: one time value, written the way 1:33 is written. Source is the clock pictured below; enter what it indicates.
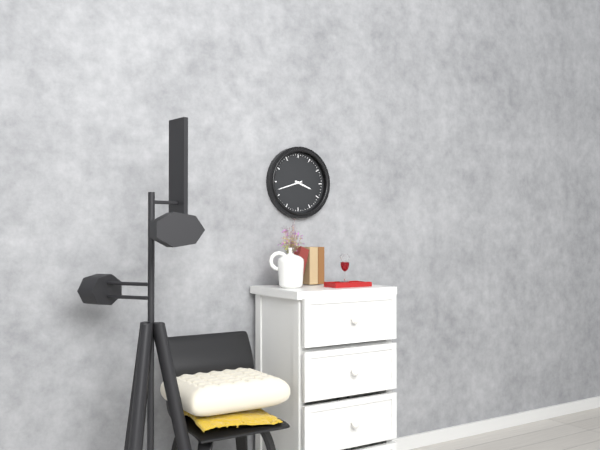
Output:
3:42
